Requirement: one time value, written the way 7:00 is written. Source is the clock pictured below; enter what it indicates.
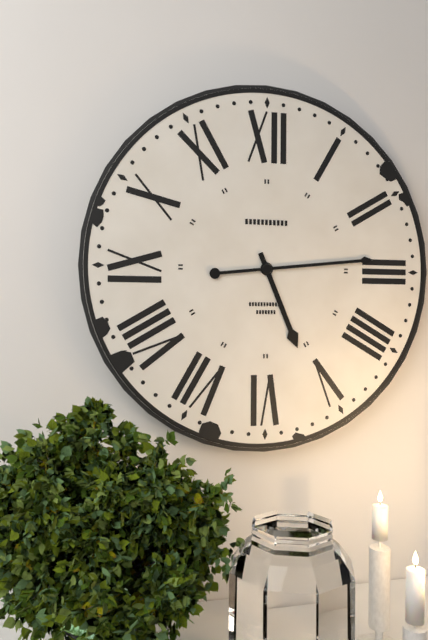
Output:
5:14
